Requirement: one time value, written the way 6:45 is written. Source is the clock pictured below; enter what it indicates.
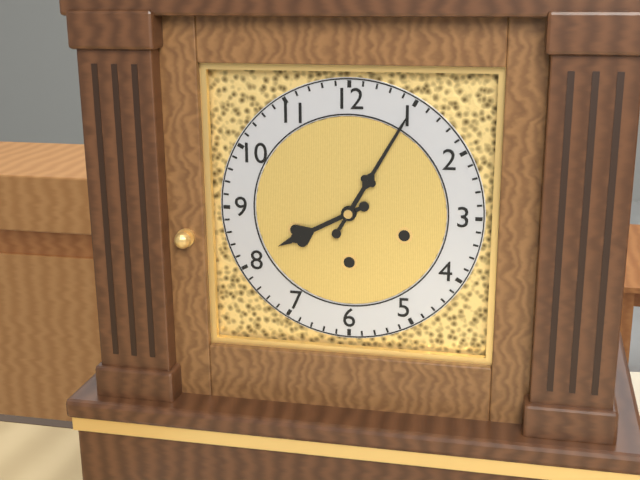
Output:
8:05
